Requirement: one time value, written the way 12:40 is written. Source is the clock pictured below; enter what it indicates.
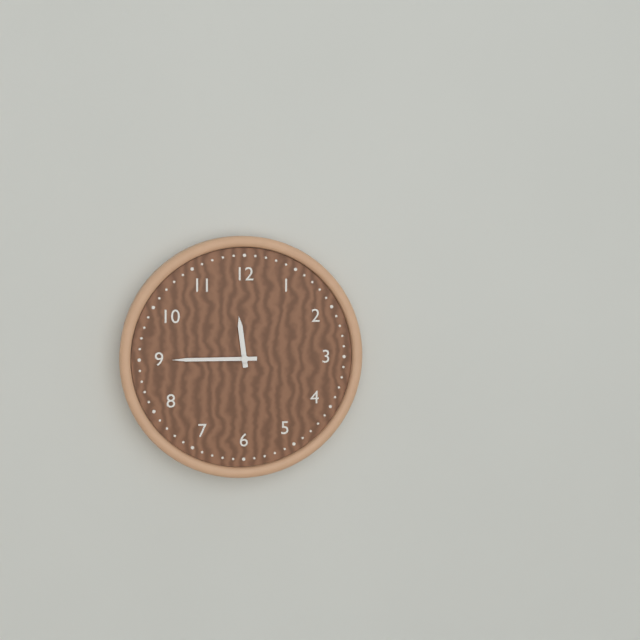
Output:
11:45
